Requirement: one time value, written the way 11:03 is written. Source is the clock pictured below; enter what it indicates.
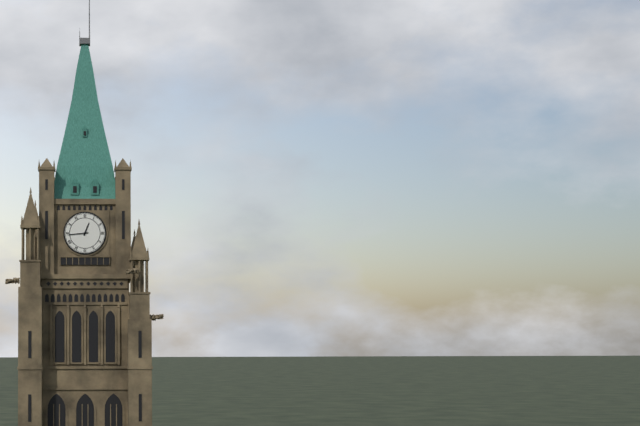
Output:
12:44
